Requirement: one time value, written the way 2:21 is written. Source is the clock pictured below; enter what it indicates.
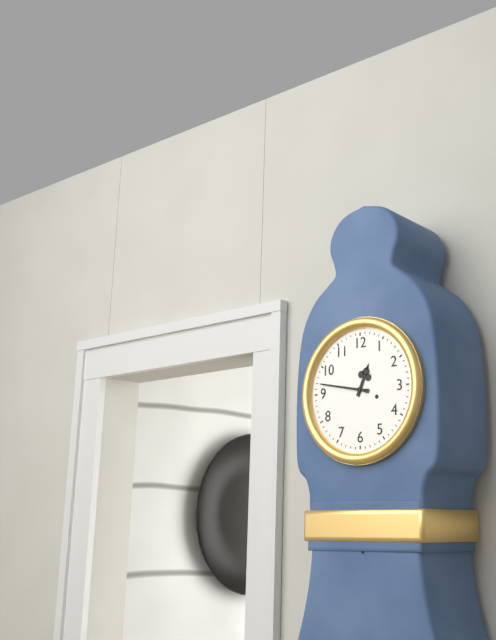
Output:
12:47
